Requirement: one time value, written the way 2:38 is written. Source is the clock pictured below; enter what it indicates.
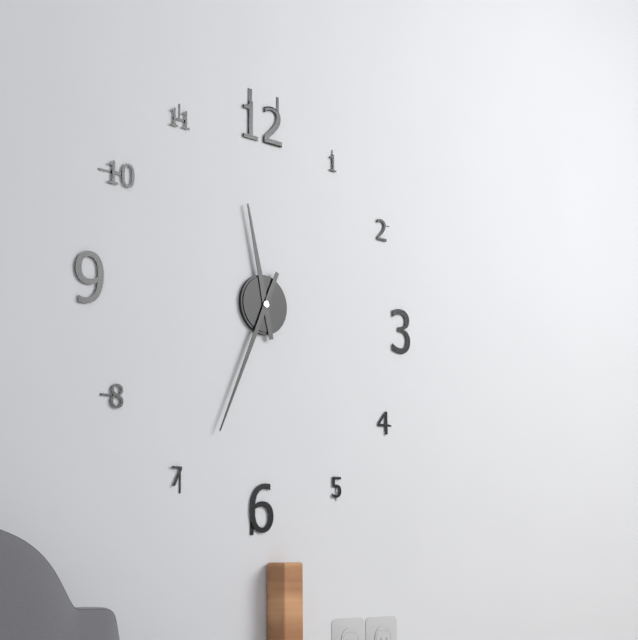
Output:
11:34
